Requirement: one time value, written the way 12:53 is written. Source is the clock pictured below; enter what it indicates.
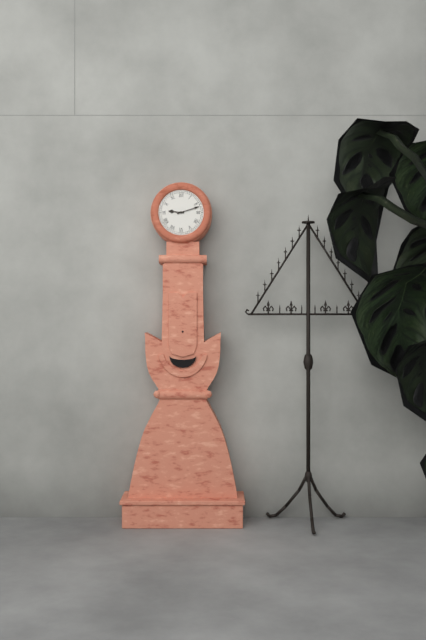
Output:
9:12
